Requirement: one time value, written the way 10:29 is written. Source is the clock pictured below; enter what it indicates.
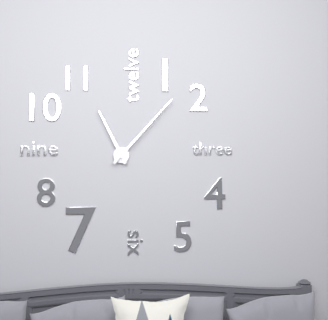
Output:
11:07
